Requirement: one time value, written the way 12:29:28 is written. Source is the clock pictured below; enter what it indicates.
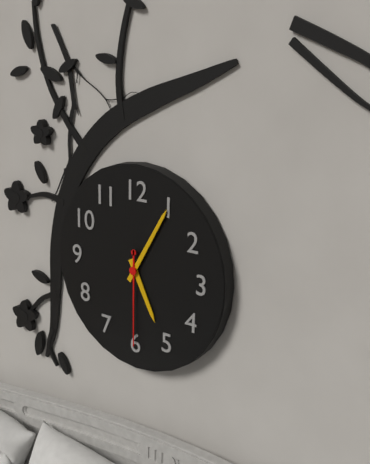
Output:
5:05:30
